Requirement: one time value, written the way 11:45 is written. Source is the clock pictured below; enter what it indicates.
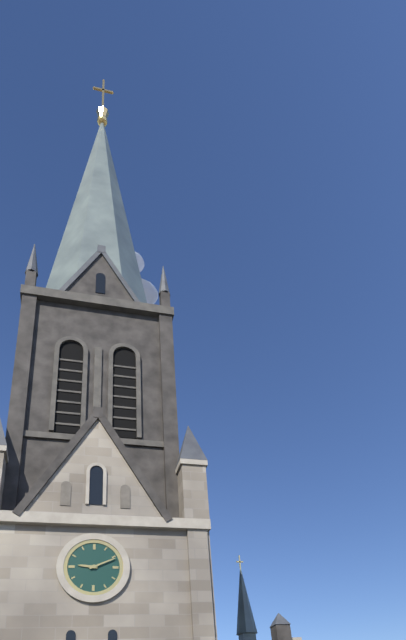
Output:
9:11
